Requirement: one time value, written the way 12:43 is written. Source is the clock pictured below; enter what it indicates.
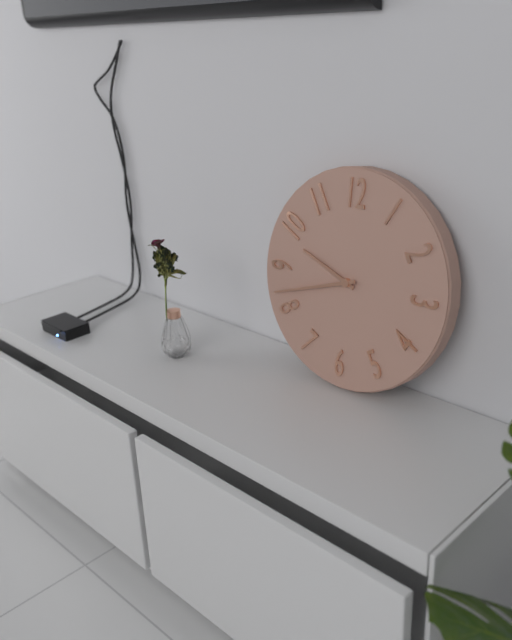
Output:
9:42
